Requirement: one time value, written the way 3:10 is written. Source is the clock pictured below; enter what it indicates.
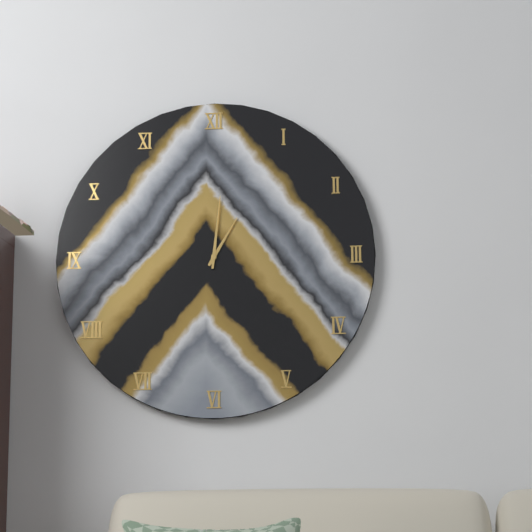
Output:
1:01
